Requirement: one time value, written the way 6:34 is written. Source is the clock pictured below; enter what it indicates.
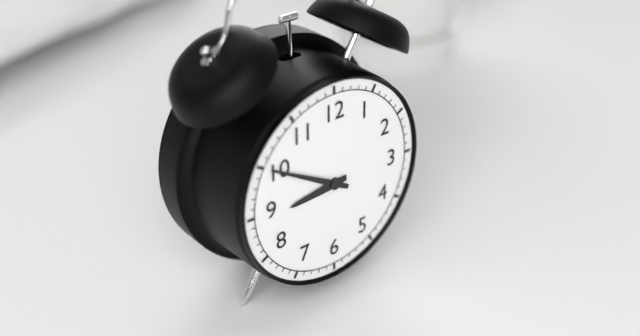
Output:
8:50
